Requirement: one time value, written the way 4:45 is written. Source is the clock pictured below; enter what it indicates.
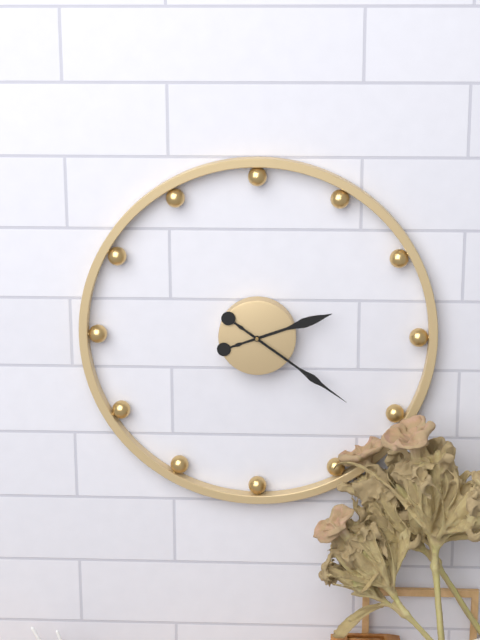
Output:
2:21
